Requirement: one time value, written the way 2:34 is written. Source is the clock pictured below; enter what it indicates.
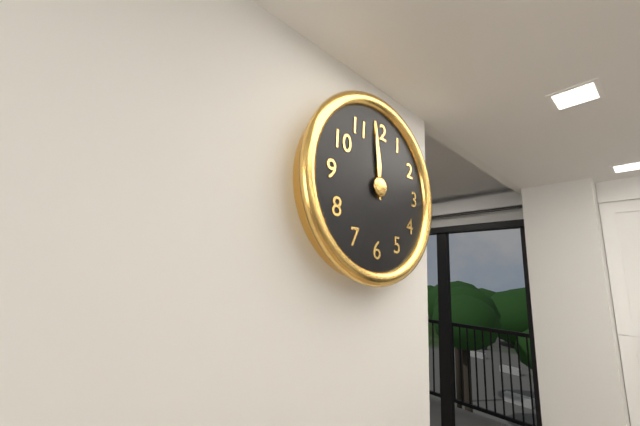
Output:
11:59
